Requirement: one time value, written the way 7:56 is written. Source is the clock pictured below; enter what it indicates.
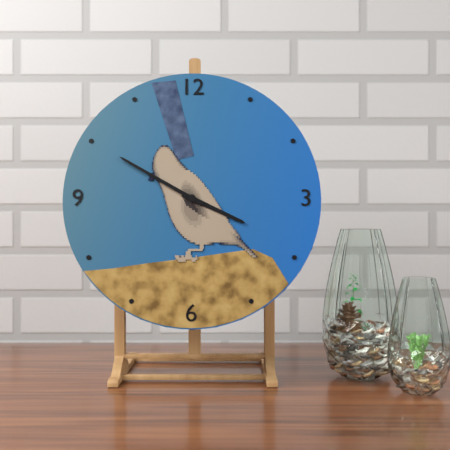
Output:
3:50
